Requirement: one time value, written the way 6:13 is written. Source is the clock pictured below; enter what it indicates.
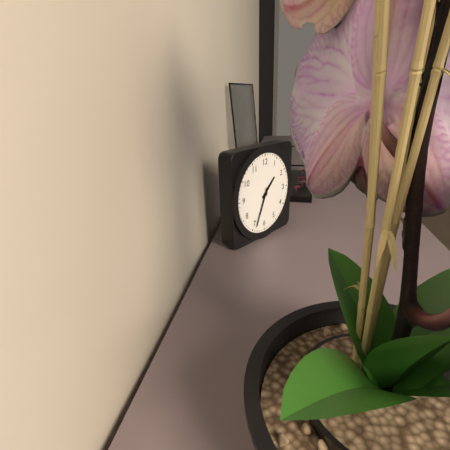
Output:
1:34
